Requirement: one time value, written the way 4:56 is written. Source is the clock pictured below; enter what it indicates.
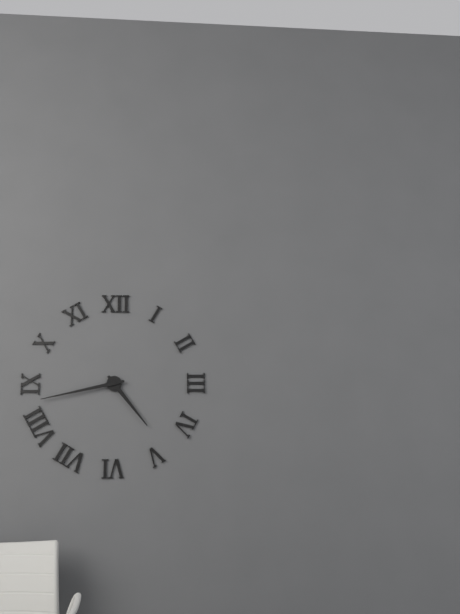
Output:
4:43
